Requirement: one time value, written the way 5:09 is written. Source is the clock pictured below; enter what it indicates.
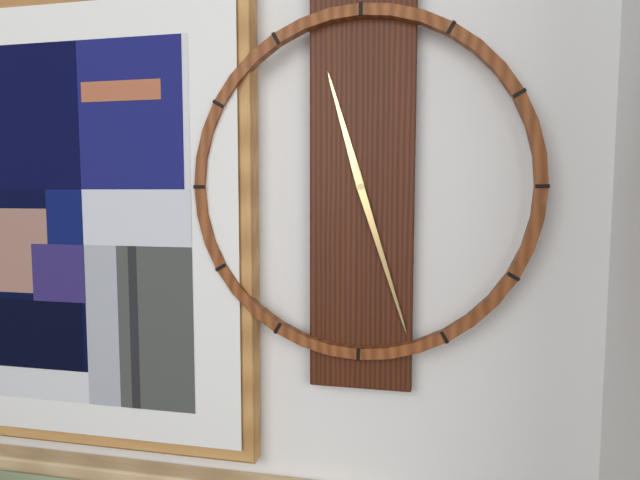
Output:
11:27
